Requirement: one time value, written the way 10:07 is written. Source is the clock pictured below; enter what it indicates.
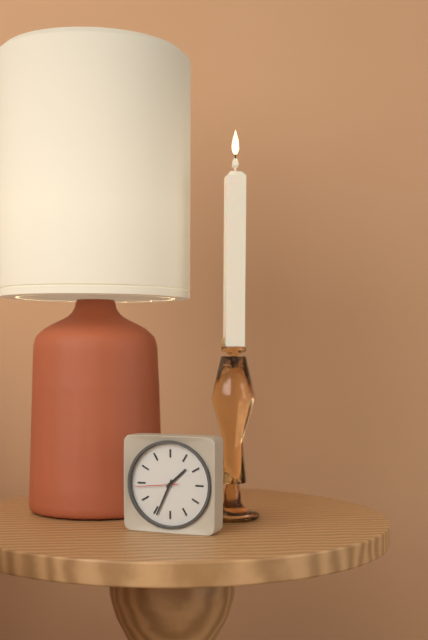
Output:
1:34
